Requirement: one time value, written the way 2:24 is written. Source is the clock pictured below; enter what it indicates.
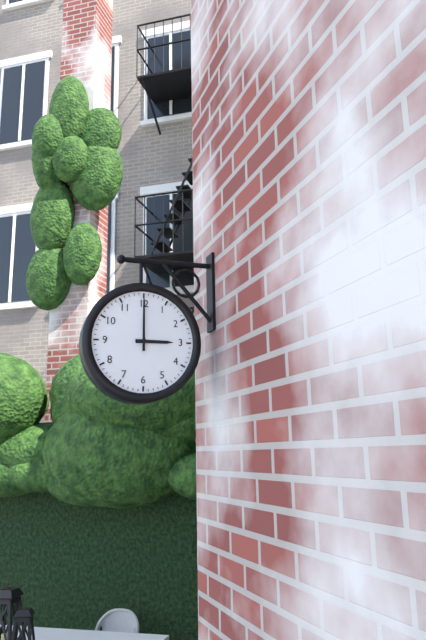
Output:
3:00
